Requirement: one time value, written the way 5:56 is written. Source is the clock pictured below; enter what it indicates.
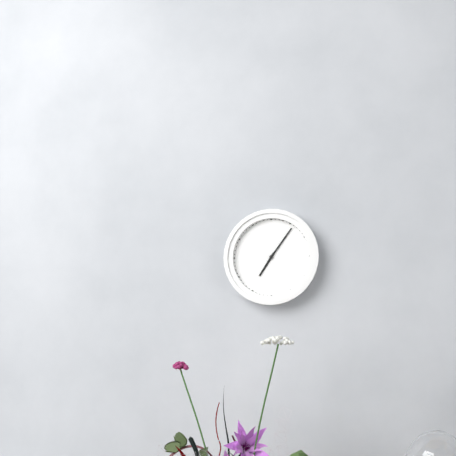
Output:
7:06
